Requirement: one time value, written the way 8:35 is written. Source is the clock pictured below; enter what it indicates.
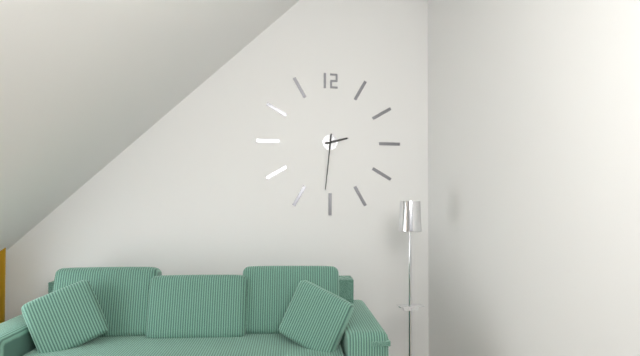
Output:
2:31
